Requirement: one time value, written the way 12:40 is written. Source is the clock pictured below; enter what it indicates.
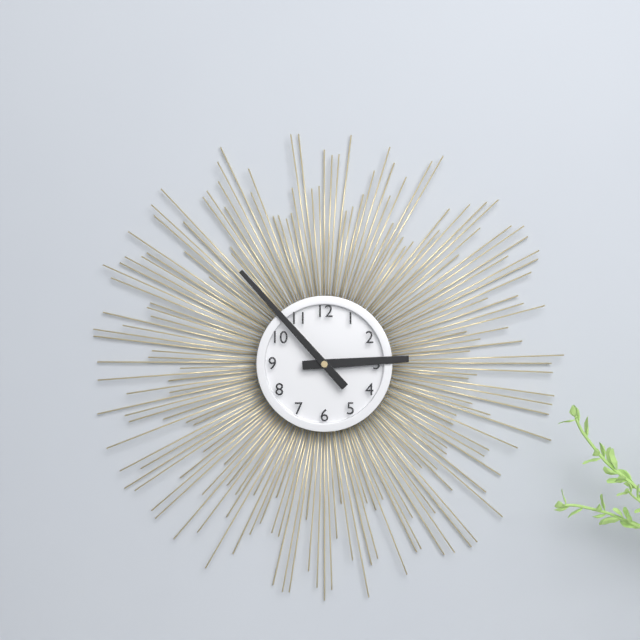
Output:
2:53
